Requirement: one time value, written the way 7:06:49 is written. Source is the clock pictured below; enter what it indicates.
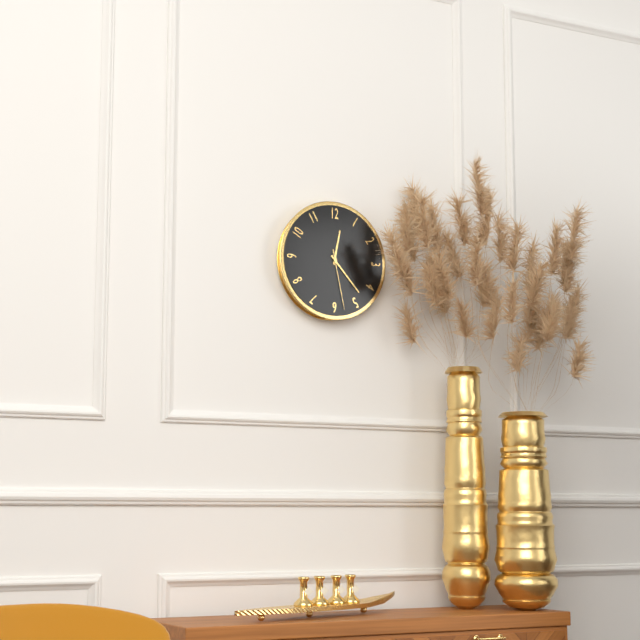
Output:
12:23:28
